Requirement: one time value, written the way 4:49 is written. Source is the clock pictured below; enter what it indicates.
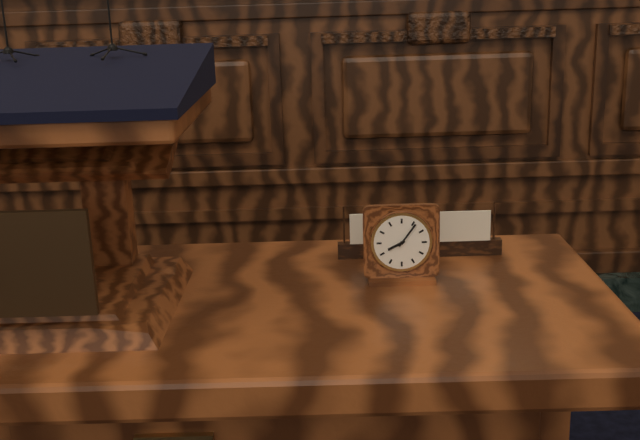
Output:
8:06
